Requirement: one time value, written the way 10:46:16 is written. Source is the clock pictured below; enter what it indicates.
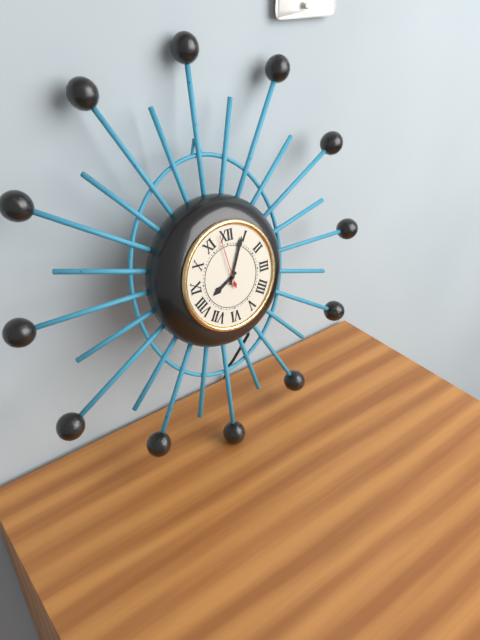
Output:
8:04:58
